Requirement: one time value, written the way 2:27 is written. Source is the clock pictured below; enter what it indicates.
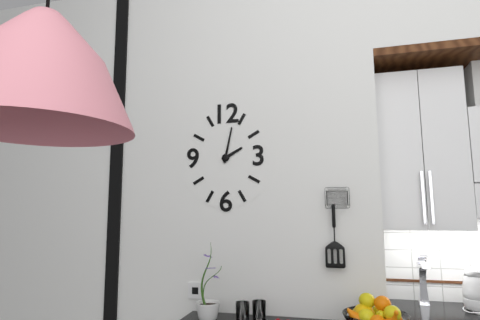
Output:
2:02
